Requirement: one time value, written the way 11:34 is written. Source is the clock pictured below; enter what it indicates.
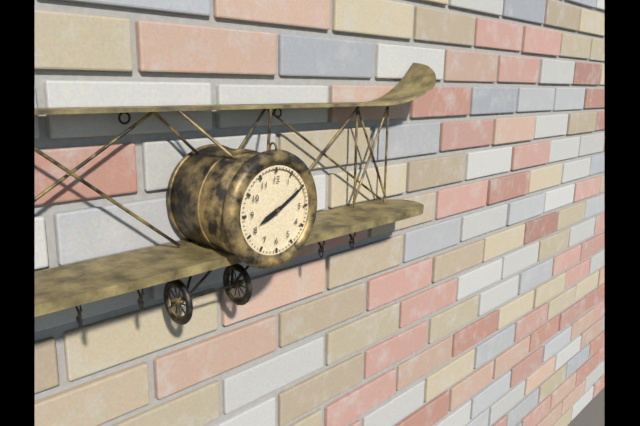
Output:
8:10
